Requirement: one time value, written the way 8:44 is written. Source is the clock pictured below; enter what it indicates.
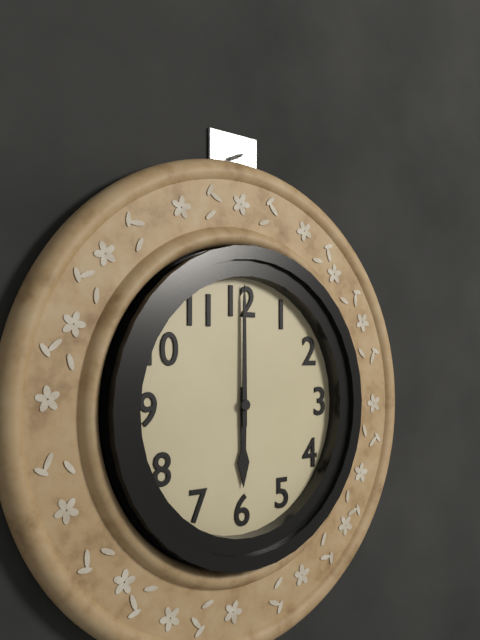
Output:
6:00
